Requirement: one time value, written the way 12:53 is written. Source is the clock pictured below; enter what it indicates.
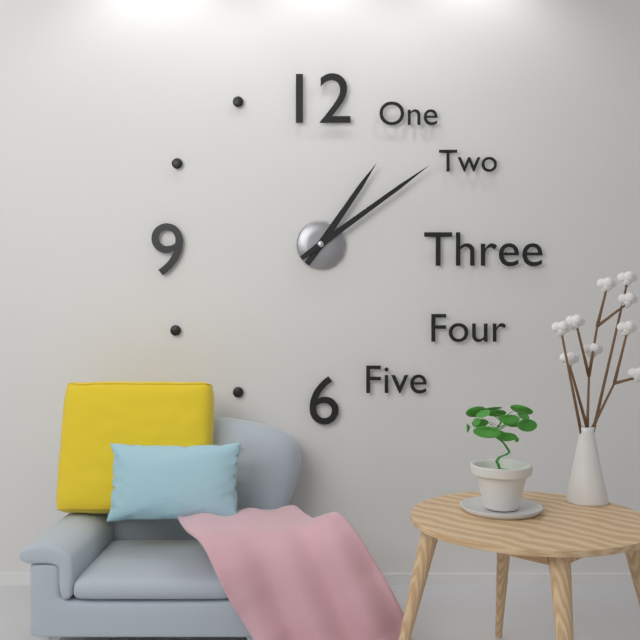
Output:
1:09
